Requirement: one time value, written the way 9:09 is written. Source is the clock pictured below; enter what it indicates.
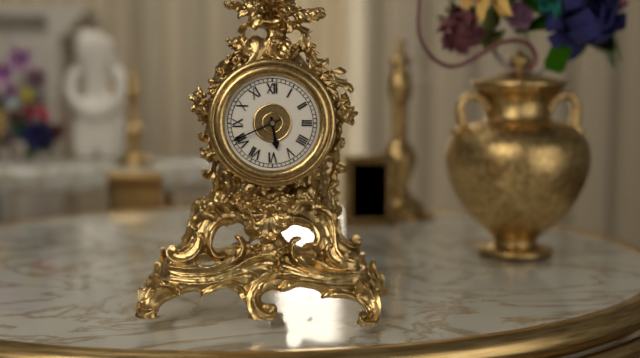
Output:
5:41
